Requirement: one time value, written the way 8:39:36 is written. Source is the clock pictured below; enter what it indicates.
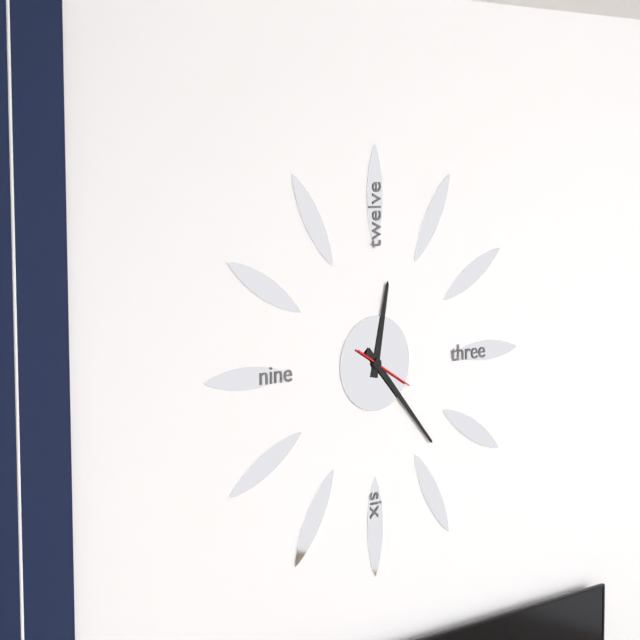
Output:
12:23:20
